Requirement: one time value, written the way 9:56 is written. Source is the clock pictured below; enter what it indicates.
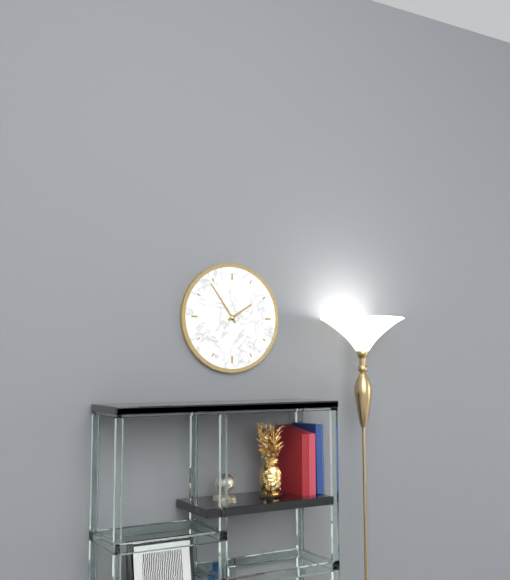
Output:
1:54
